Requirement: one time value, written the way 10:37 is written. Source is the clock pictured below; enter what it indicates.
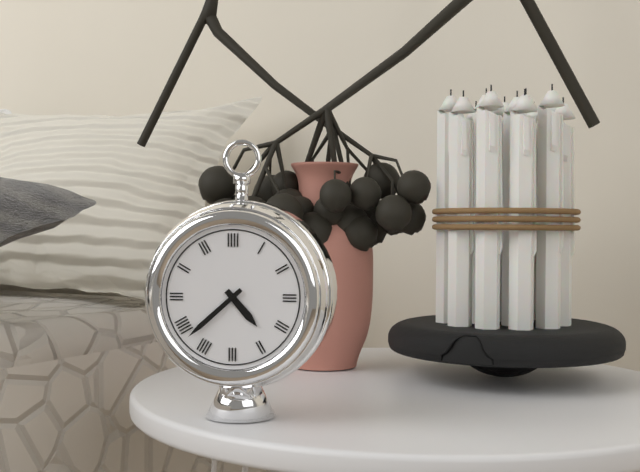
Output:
4:38
